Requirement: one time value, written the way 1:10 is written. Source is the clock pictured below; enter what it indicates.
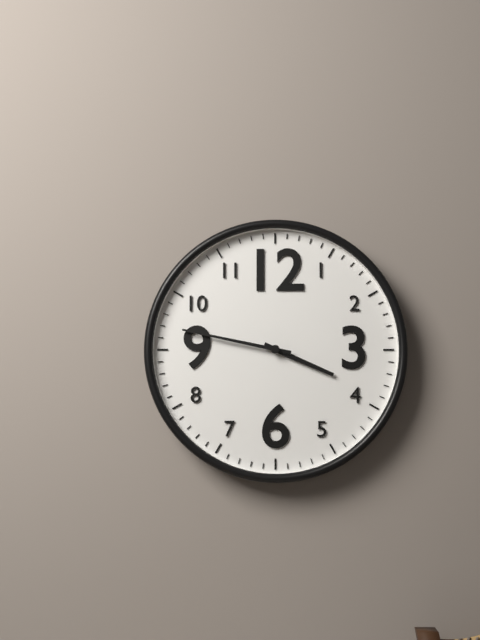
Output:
3:47
